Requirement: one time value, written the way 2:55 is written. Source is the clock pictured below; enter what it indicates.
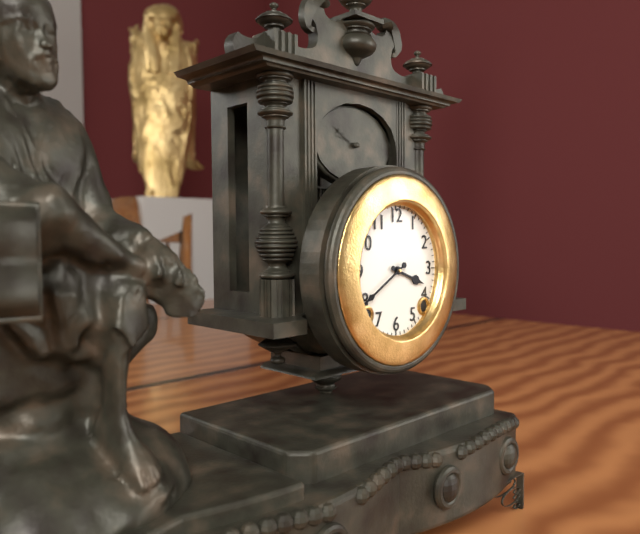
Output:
3:40
